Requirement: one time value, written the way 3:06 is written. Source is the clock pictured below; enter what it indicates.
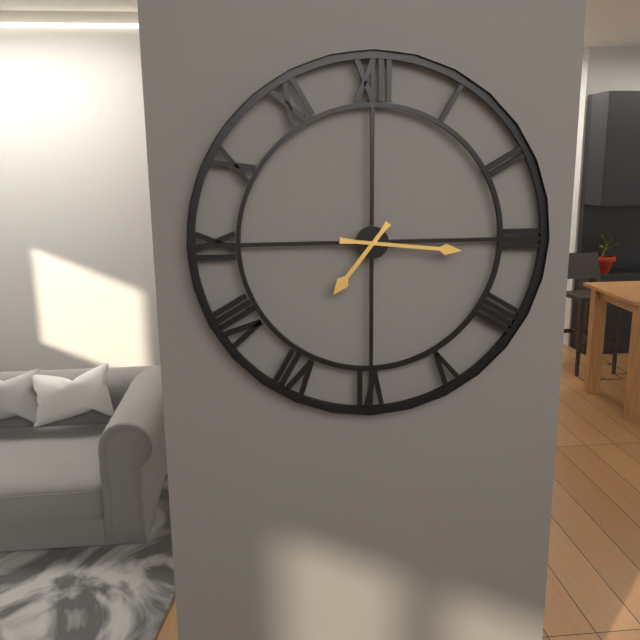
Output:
7:16
